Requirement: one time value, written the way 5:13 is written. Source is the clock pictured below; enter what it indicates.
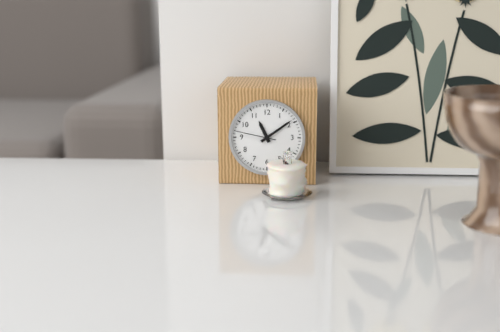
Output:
11:09
